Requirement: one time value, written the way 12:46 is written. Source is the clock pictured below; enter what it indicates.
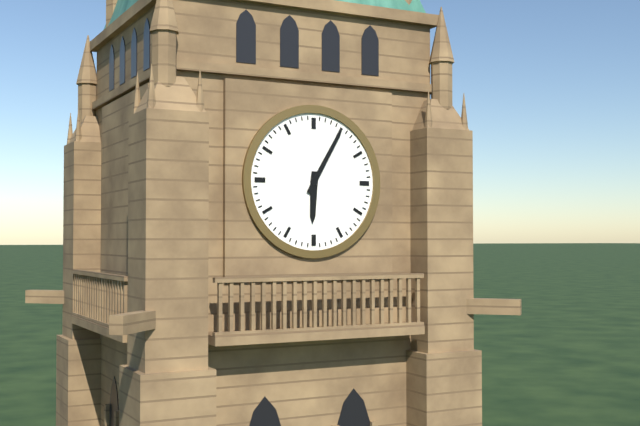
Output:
6:05
